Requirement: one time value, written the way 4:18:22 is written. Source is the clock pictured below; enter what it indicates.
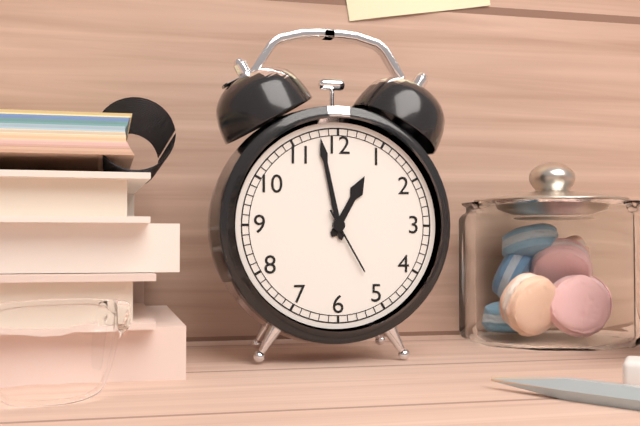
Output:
12:58:25
